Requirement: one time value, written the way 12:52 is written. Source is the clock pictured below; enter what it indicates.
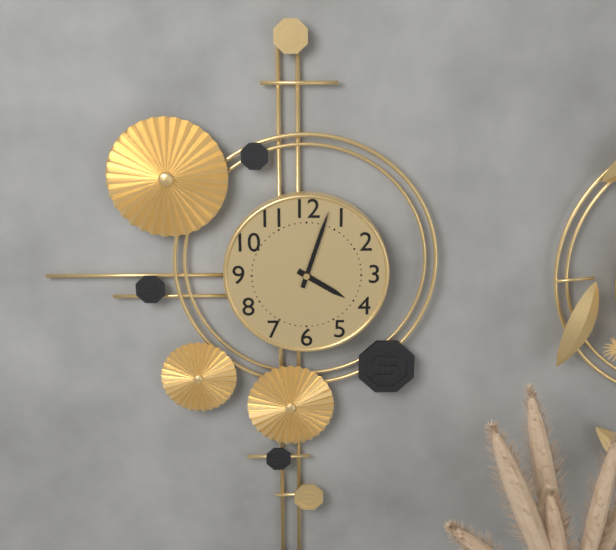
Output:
4:03
